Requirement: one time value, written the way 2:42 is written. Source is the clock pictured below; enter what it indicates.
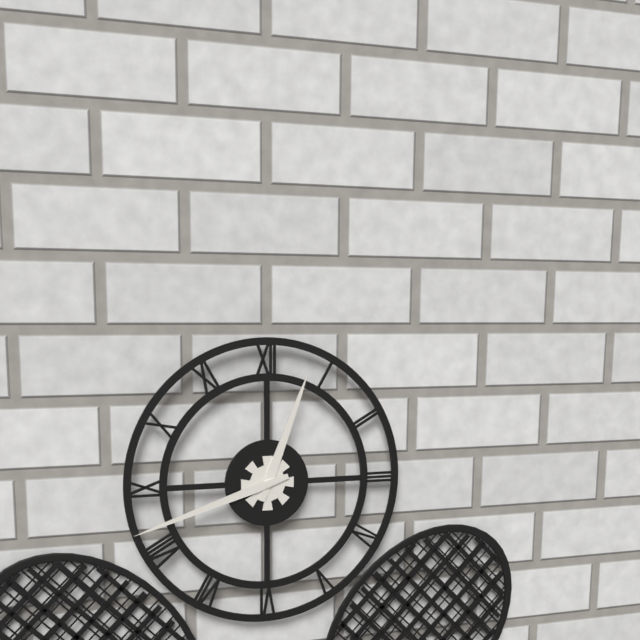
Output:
12:42
